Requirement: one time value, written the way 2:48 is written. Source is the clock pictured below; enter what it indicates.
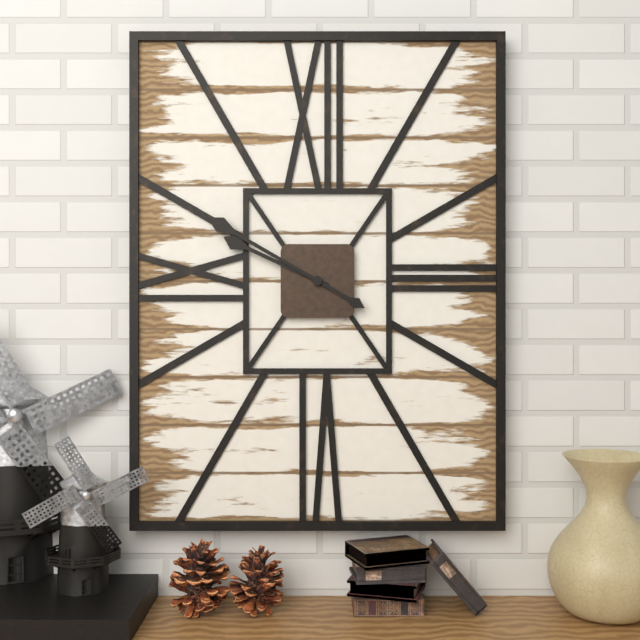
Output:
9:50
